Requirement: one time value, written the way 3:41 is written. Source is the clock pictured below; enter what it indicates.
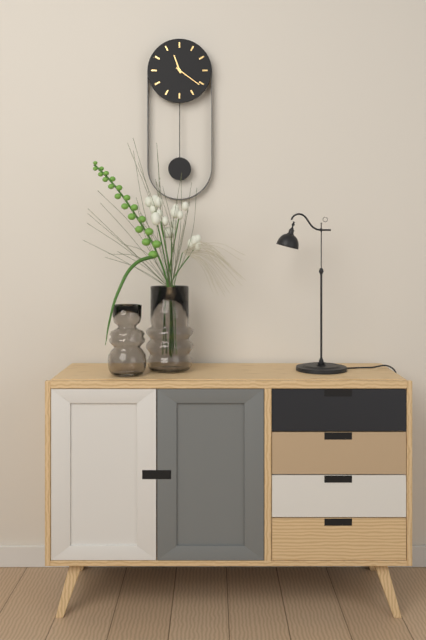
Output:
11:21
